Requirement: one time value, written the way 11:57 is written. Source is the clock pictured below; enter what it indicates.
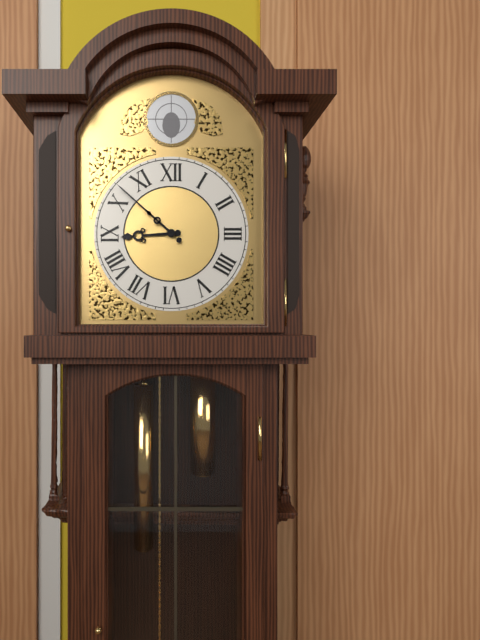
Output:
8:52
